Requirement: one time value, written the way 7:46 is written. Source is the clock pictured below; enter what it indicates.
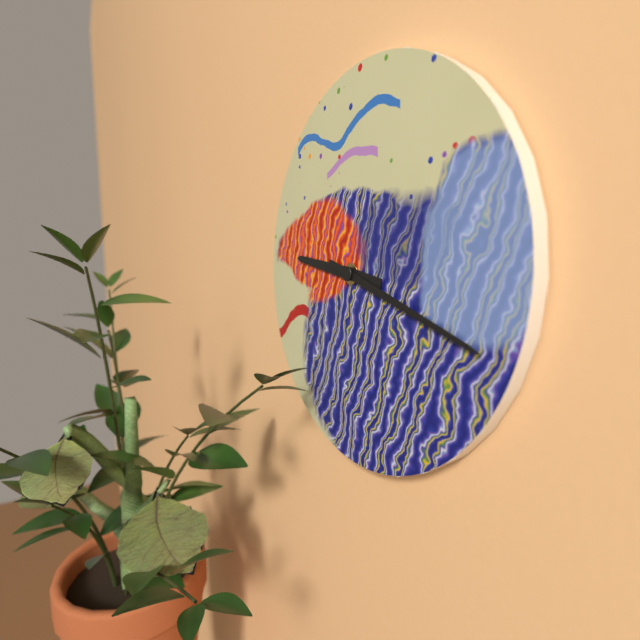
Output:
9:18
